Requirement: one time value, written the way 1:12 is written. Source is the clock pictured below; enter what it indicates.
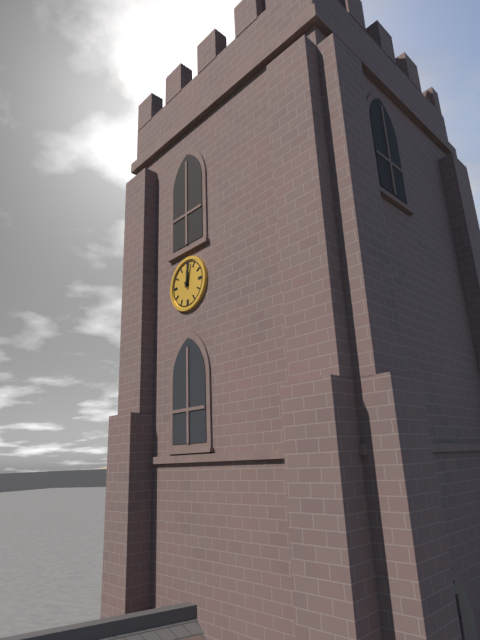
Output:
12:02
